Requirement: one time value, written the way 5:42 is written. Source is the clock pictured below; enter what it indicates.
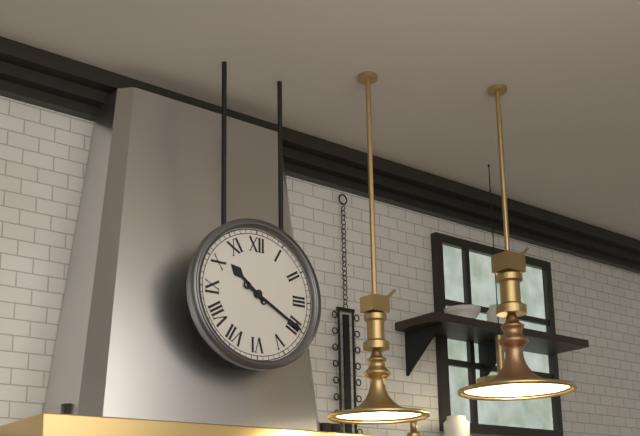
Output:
10:20
